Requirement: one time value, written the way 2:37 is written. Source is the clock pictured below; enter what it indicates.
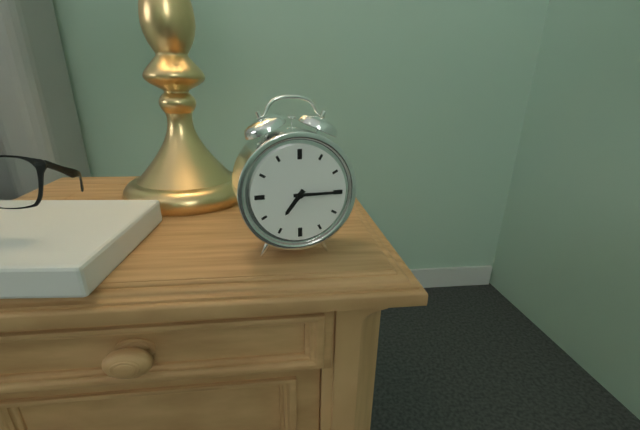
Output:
7:15
